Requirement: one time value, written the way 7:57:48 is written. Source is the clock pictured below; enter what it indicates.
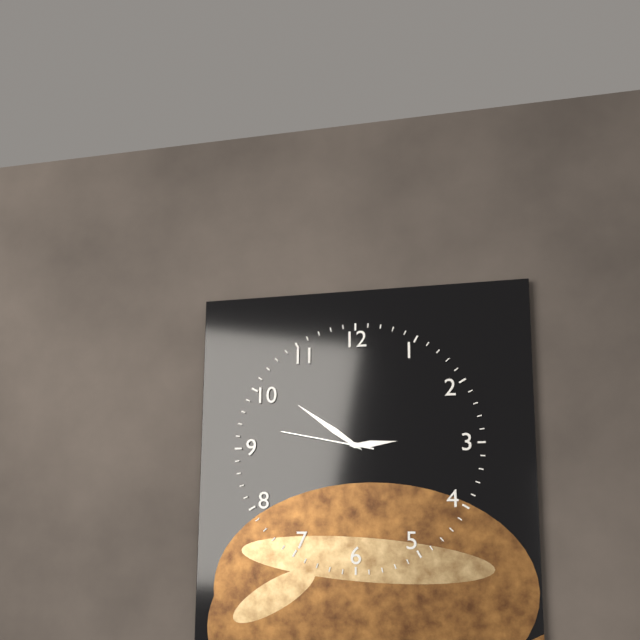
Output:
2:51:47
